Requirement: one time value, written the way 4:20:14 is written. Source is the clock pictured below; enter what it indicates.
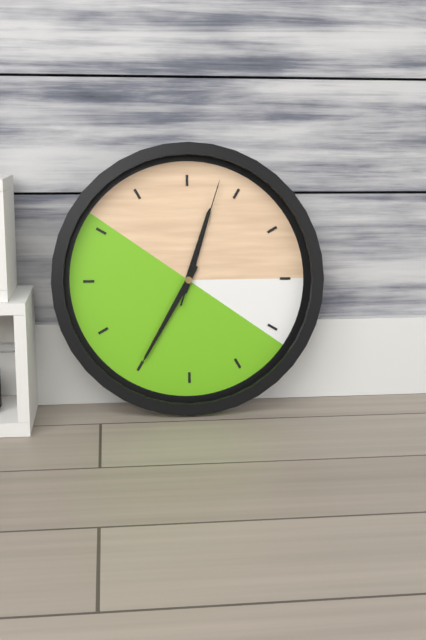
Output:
12:35:03
